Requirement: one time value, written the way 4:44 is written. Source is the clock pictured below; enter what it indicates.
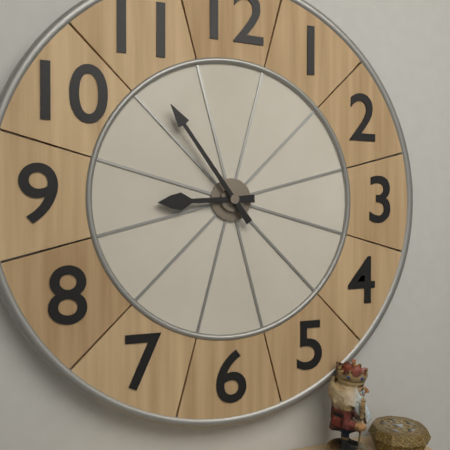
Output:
8:54
